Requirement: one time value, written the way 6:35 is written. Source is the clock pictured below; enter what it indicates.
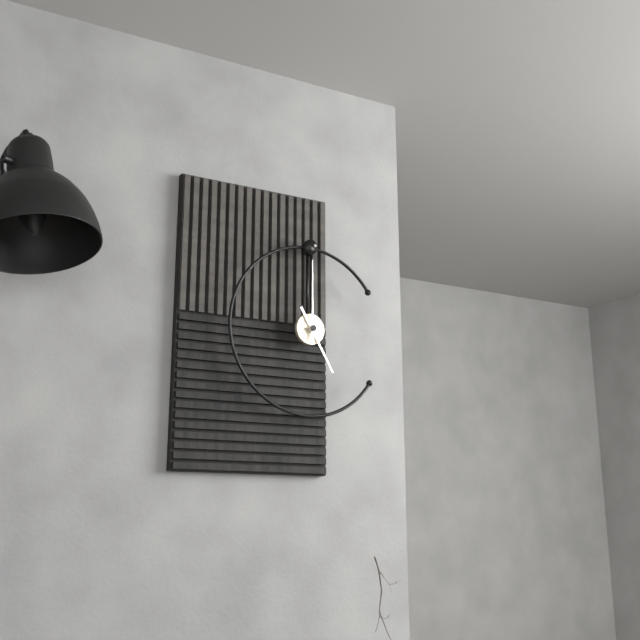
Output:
5:00
